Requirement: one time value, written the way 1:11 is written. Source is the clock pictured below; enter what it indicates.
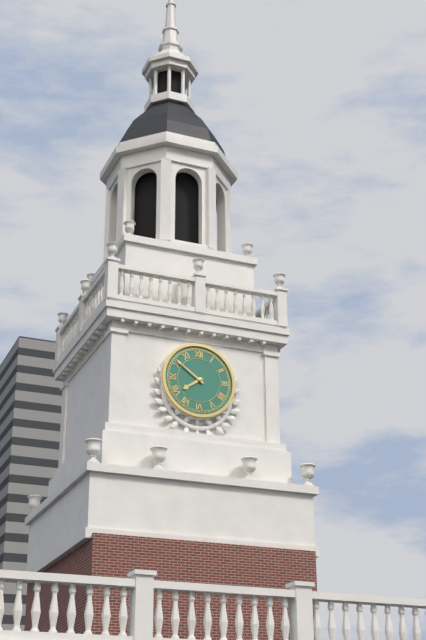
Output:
7:51
